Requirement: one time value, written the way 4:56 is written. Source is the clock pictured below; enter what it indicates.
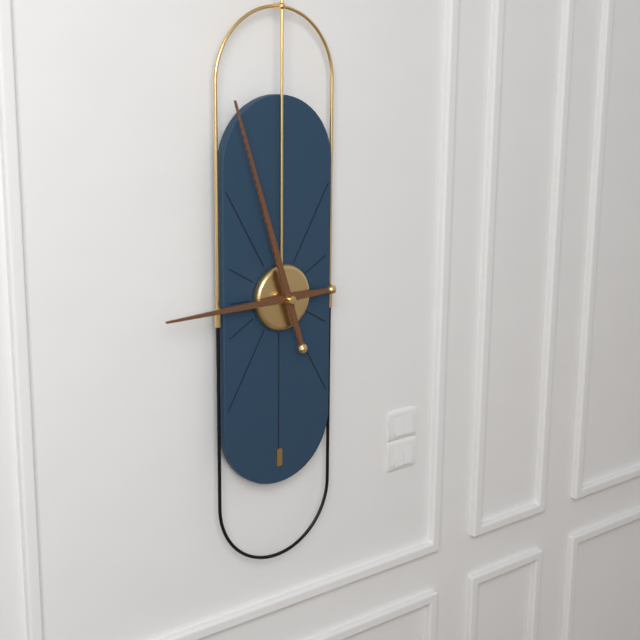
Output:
8:57
